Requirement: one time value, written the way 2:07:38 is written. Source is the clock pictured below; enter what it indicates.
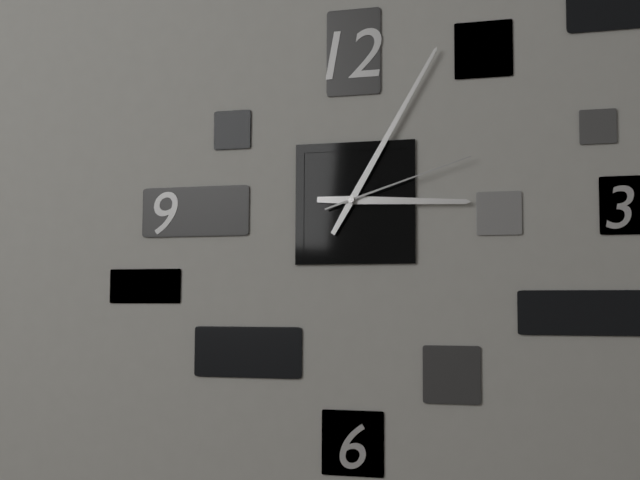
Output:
3:05:12
